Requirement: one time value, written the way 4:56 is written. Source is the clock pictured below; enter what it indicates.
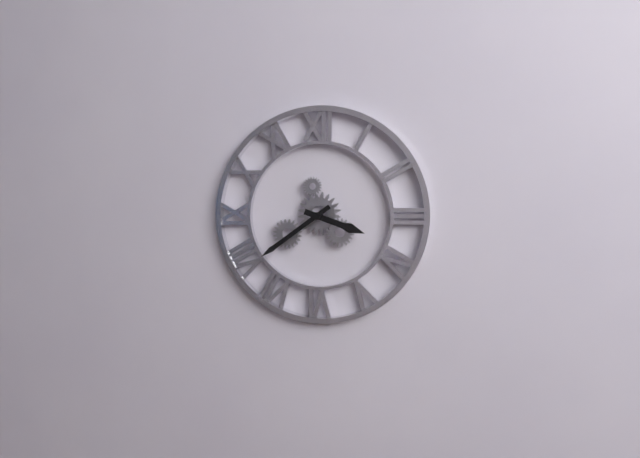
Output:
3:39
